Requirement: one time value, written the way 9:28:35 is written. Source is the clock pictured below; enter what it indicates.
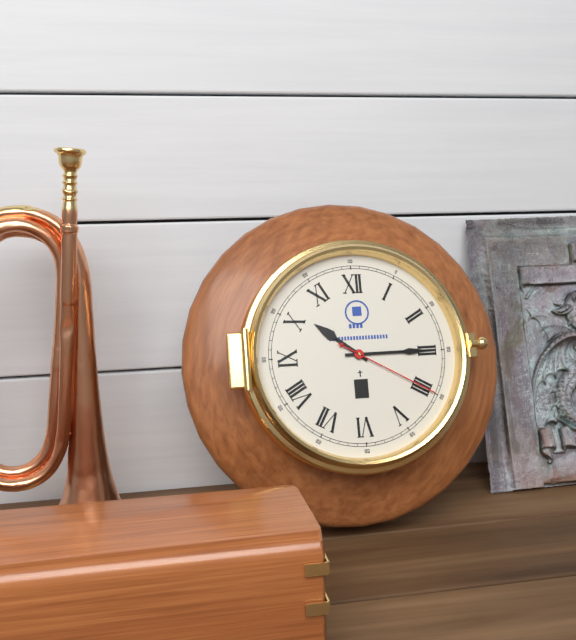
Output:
10:15:20
